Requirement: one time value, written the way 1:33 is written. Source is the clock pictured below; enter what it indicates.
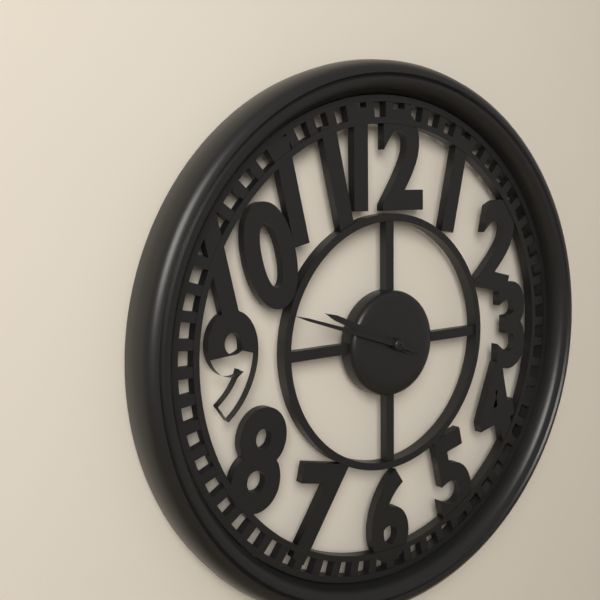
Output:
9:48
